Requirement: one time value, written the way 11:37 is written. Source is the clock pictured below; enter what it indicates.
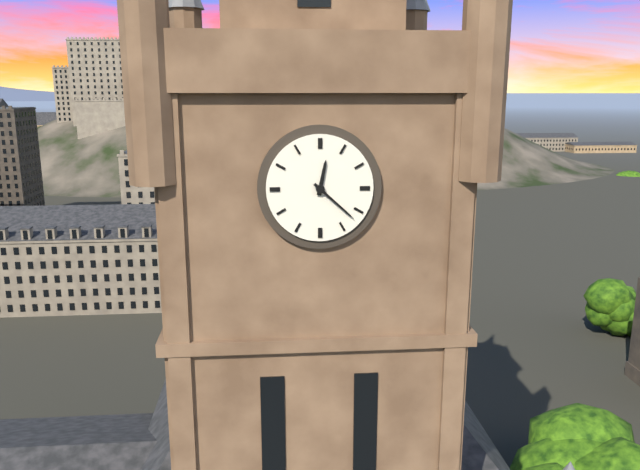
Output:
12:22
